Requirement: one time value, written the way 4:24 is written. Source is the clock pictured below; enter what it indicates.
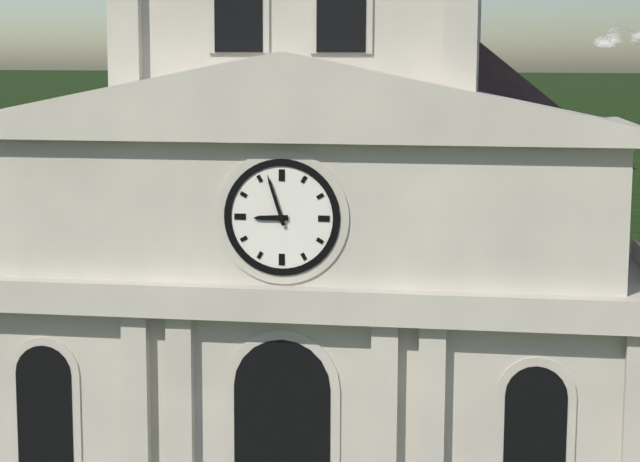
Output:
8:57
